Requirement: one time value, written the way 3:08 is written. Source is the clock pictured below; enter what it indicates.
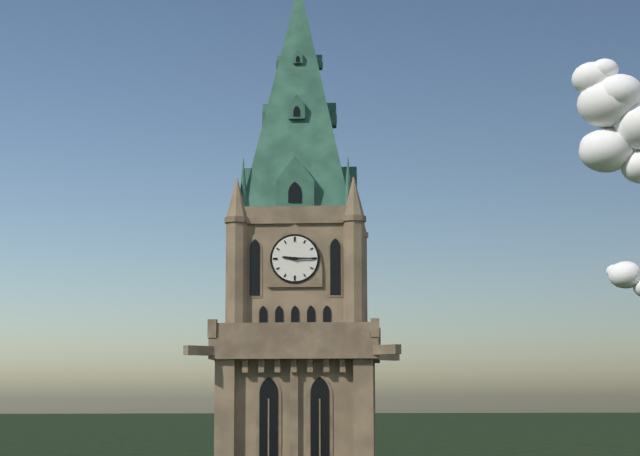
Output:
9:15
